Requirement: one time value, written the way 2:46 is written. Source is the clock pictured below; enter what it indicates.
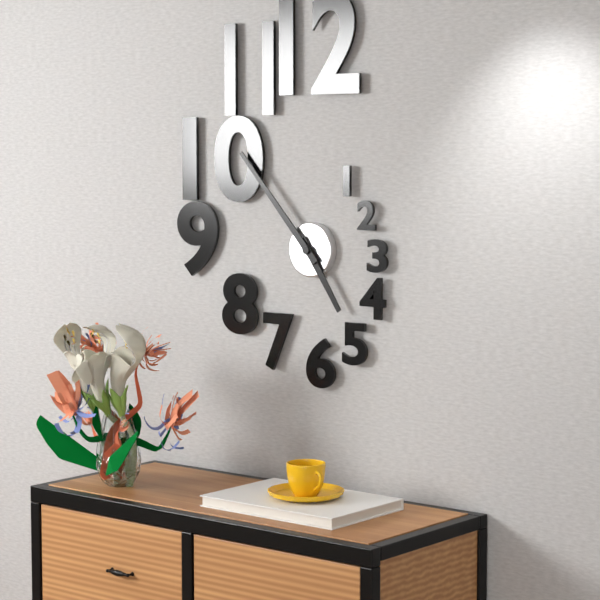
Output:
4:53
